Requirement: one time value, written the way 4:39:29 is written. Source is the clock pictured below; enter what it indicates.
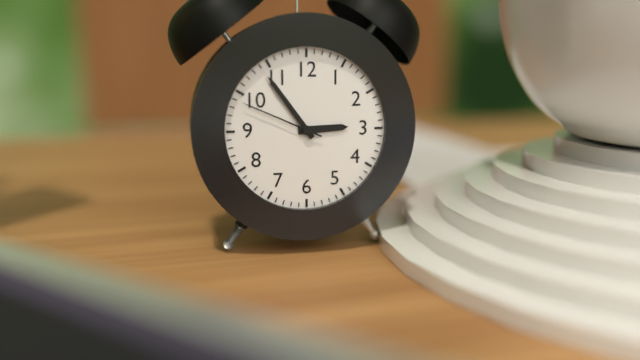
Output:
2:54:49
